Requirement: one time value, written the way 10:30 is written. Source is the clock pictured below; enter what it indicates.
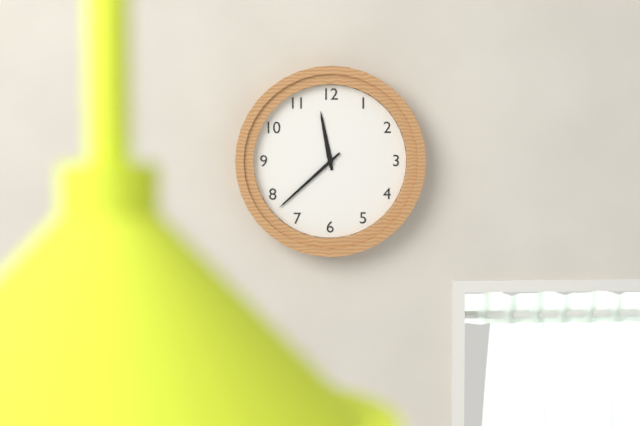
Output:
11:38
